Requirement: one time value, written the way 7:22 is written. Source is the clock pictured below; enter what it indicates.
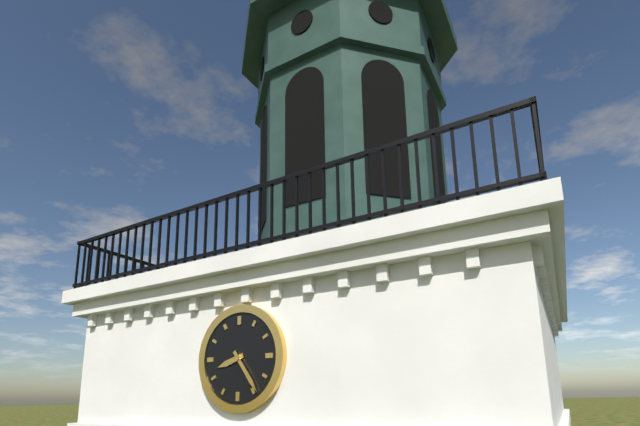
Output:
8:24
